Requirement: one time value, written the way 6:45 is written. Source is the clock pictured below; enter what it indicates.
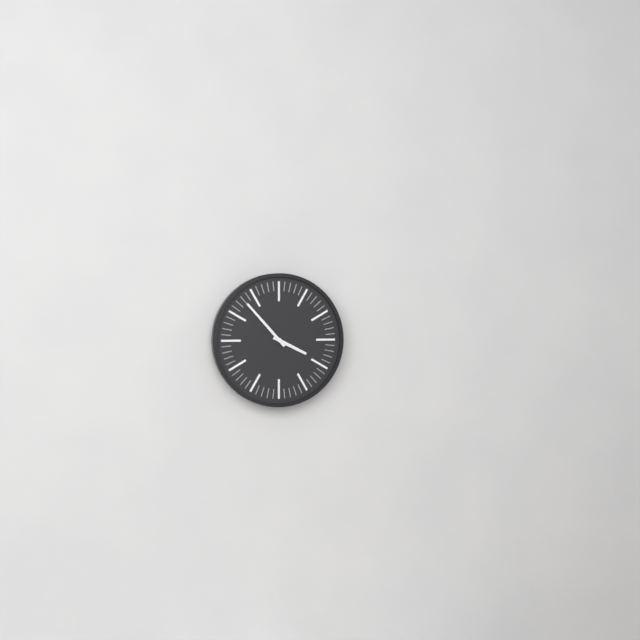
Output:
3:53
